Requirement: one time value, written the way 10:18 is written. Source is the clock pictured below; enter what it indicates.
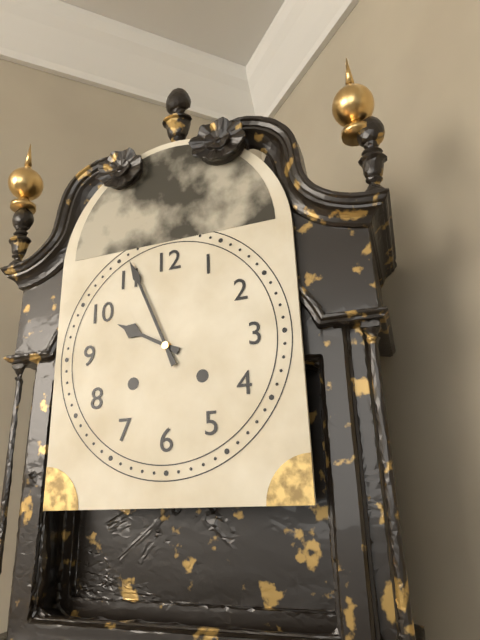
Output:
9:56
